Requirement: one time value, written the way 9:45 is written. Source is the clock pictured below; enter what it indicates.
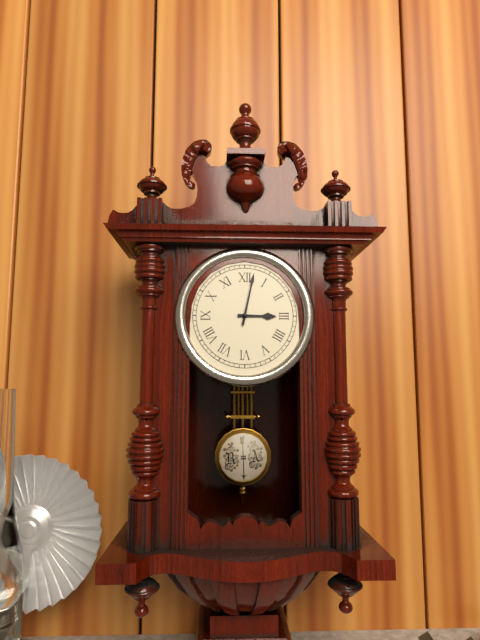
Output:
3:02
